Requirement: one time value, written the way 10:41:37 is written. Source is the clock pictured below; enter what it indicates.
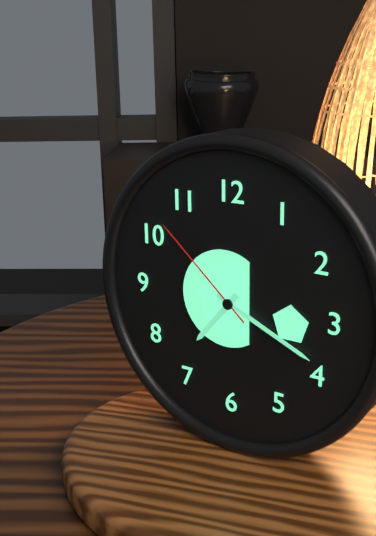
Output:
7:19:52
